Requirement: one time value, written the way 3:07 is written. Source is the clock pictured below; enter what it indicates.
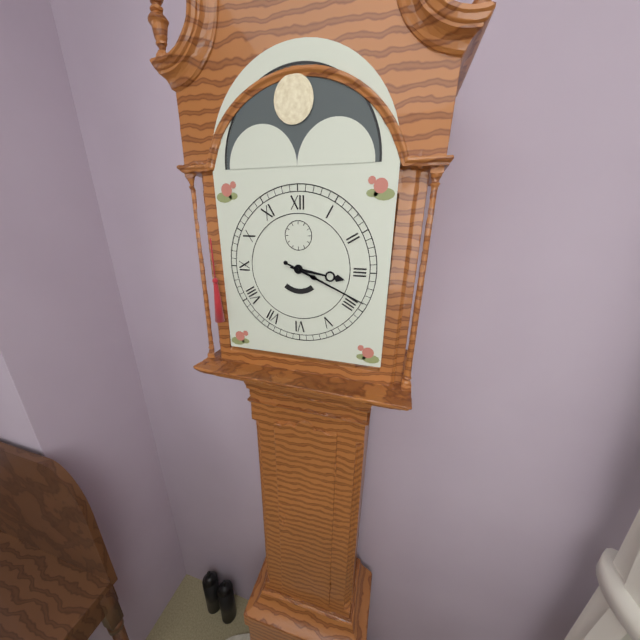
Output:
3:19
